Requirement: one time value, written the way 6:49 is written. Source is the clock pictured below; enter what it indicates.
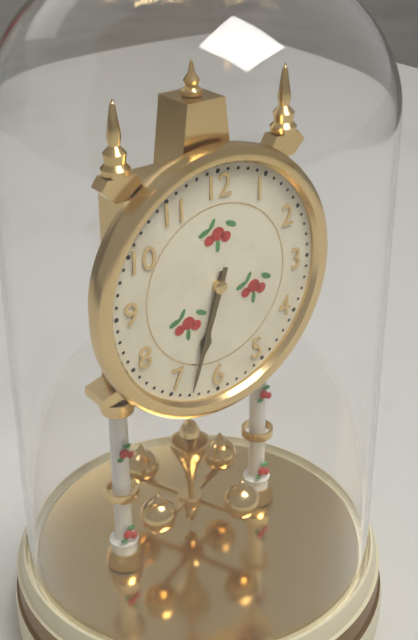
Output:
6:33
